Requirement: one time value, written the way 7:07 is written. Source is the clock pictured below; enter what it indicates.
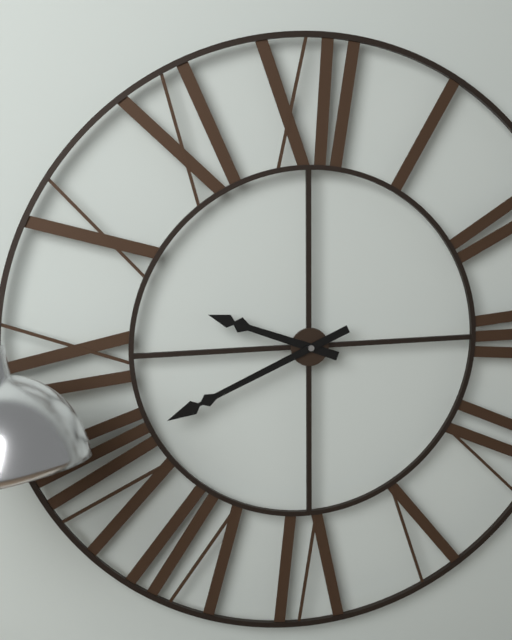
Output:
9:41
